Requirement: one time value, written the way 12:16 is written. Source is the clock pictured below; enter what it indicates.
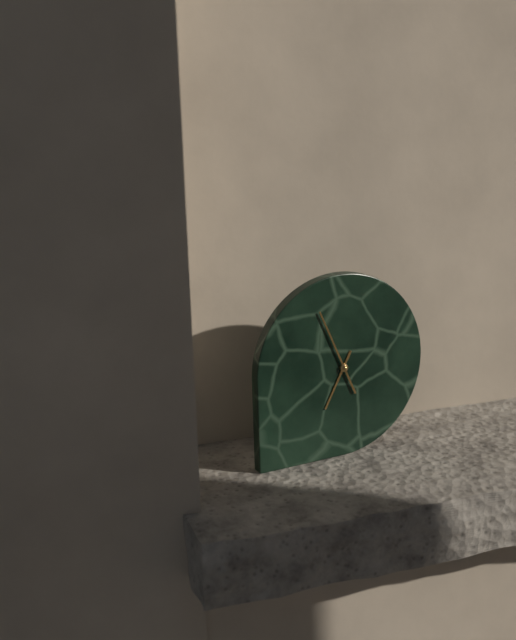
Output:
6:56
